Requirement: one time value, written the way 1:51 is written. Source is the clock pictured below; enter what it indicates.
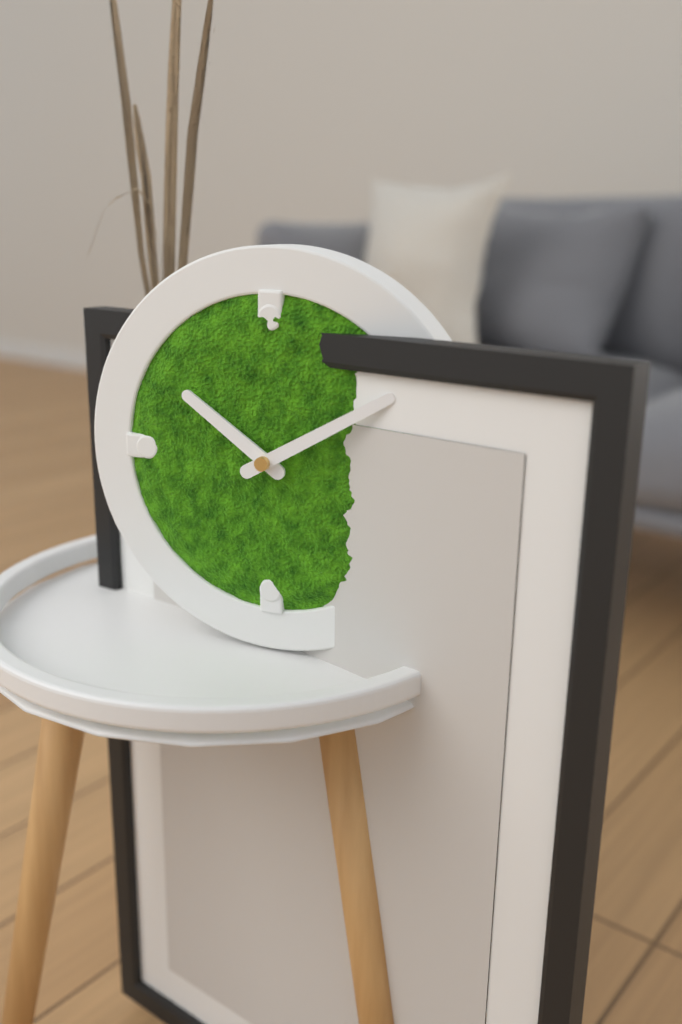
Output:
10:10
